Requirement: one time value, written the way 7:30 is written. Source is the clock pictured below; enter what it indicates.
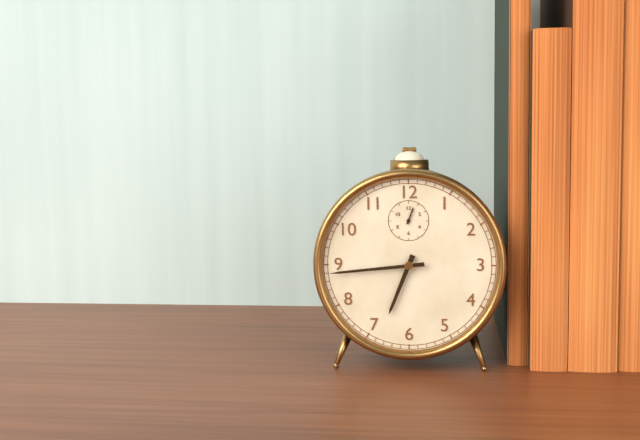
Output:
6:44
